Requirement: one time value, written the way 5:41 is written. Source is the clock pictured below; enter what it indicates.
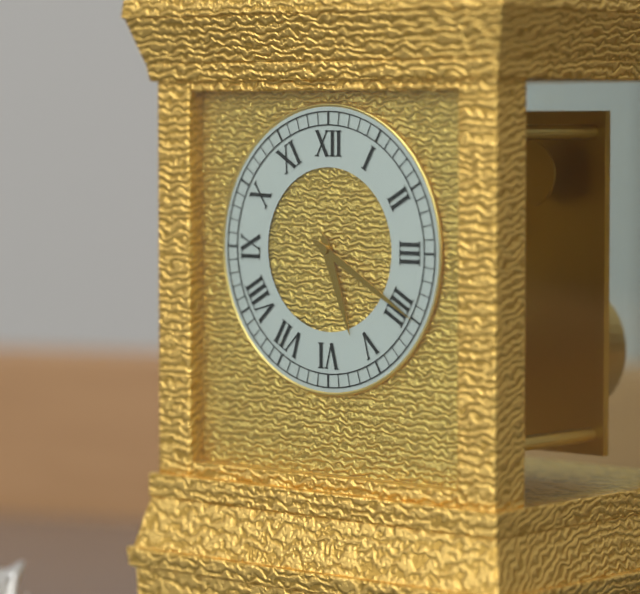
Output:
5:20
